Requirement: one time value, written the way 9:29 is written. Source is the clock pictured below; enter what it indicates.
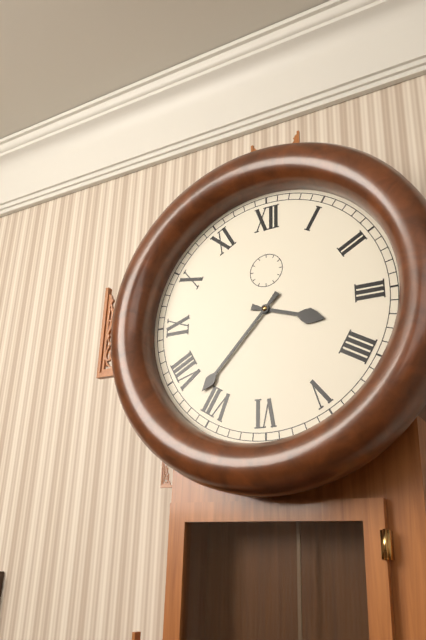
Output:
3:37
